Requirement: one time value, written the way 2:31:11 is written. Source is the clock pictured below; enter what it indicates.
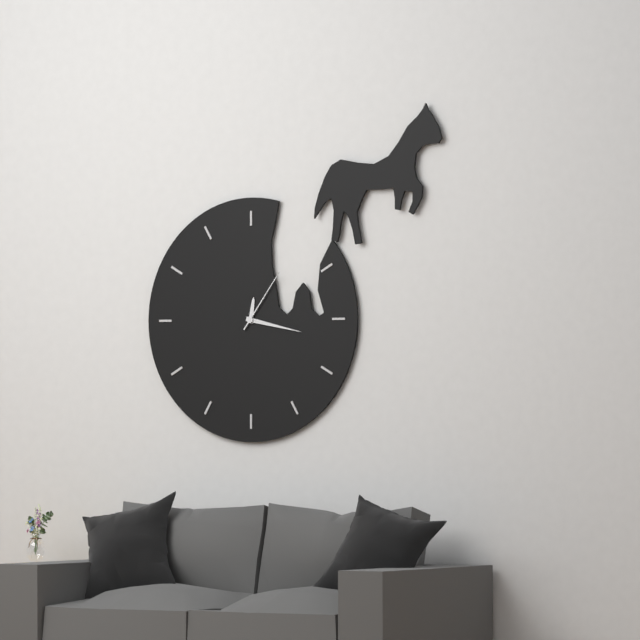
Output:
12:17:06
